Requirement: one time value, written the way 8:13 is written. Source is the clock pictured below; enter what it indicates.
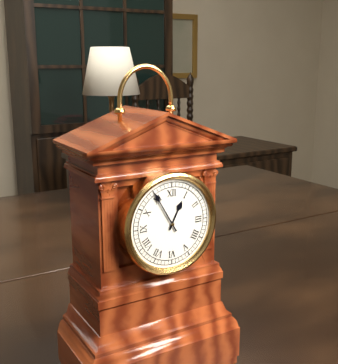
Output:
12:55
